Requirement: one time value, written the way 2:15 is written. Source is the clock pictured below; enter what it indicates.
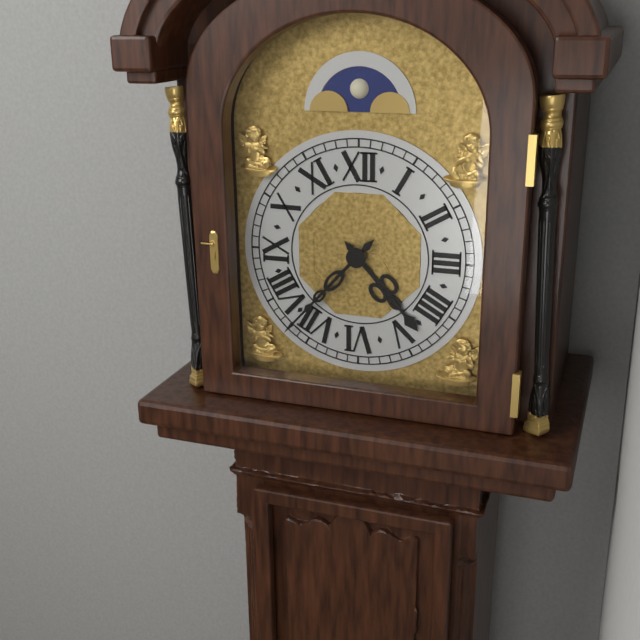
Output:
4:37
